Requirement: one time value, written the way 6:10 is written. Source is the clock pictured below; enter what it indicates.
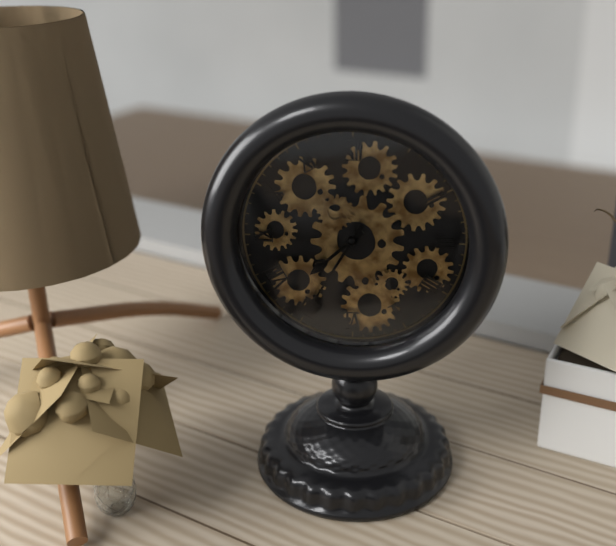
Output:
7:35
